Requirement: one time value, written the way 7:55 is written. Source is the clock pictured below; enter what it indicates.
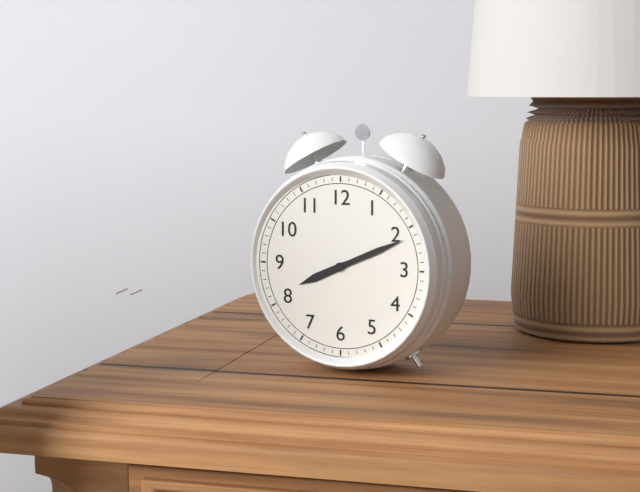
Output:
8:11
